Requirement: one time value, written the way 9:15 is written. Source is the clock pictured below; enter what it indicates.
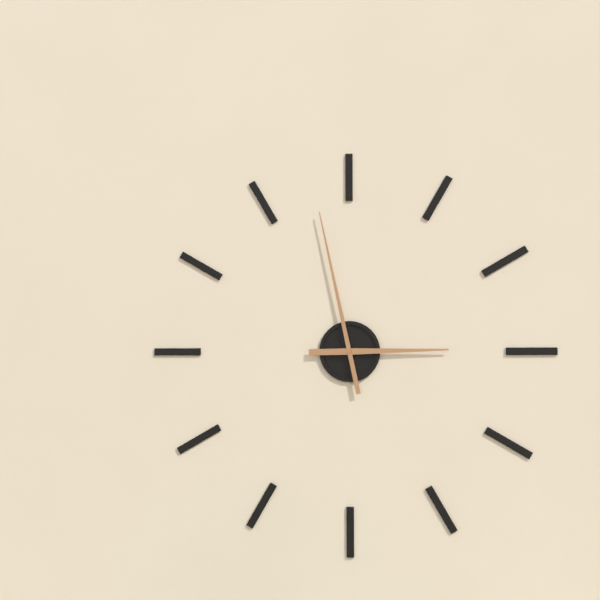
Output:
2:58
